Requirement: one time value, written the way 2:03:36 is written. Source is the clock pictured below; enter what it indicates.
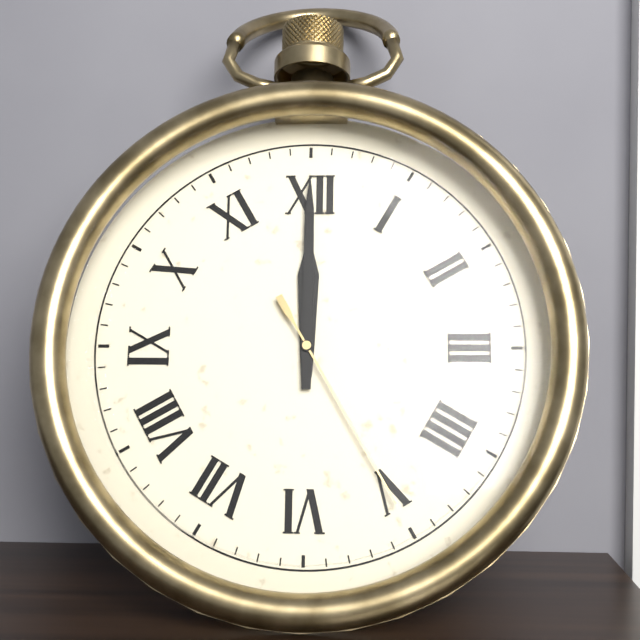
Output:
12:00:25
